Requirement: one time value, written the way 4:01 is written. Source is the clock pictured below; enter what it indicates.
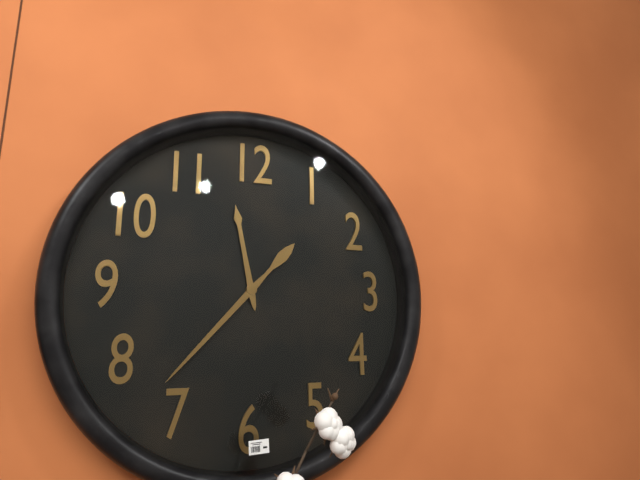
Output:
11:37
